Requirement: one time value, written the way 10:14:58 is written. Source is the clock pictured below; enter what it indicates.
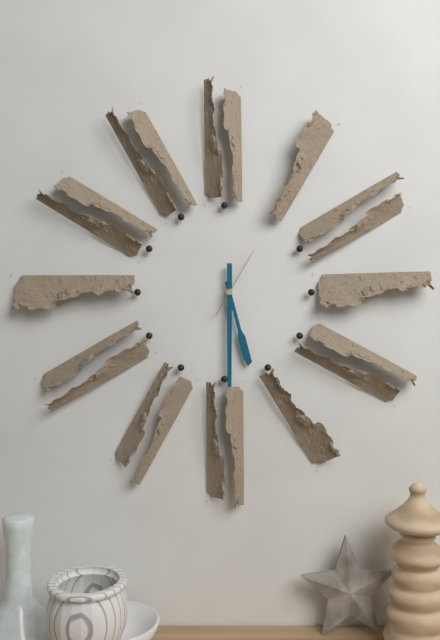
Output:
5:30:05
